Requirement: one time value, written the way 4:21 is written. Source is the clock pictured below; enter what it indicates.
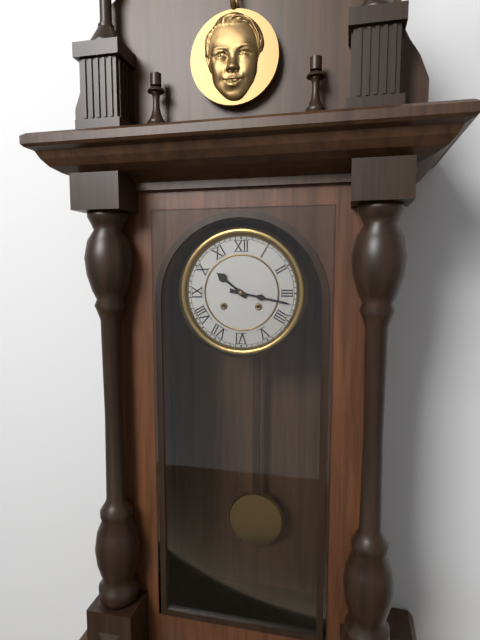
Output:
10:17
